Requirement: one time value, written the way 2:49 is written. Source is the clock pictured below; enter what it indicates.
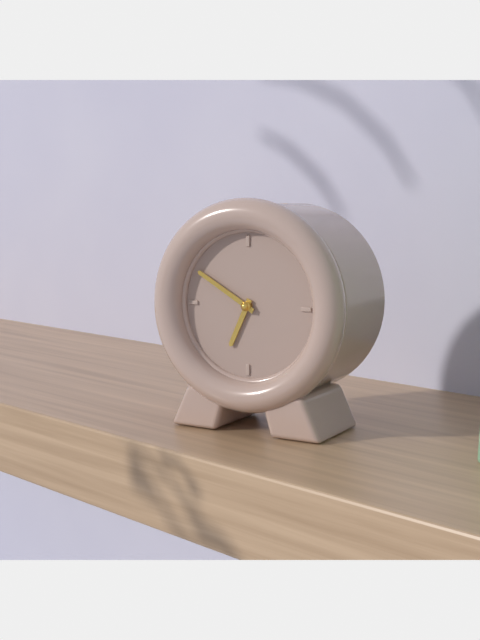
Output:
6:50
